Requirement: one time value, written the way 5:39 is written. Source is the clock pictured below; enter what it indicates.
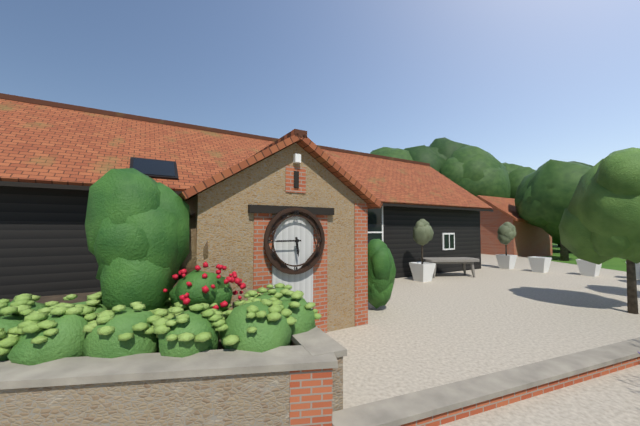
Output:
5:45
